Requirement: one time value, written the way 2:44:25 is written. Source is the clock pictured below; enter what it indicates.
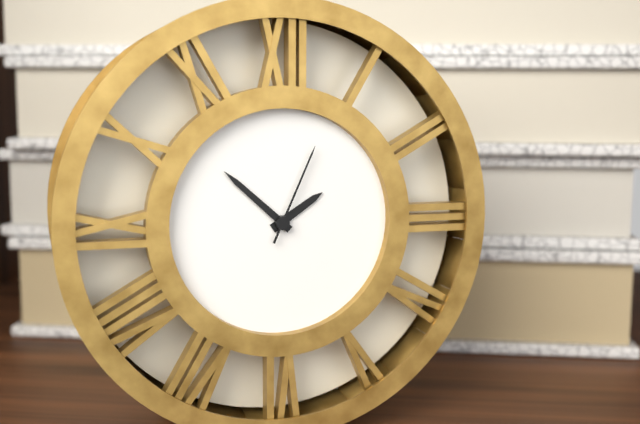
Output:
1:52:04
